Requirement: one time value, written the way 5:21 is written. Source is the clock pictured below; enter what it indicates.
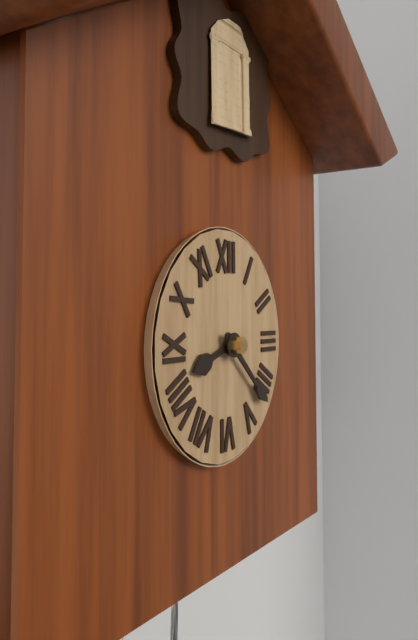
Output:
8:22
